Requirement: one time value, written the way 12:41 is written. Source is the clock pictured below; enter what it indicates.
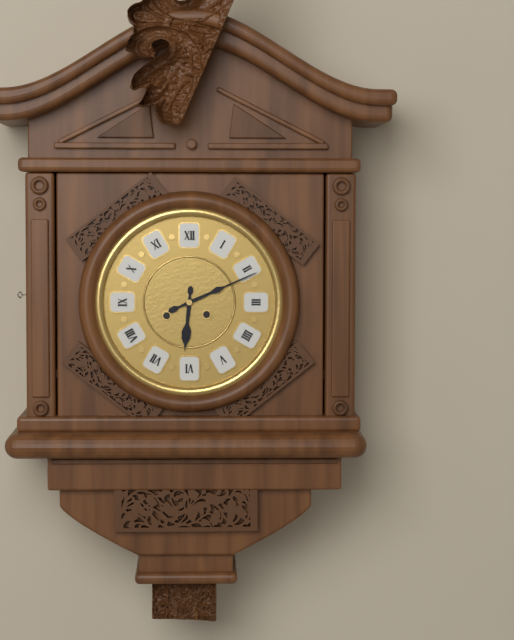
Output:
6:11
